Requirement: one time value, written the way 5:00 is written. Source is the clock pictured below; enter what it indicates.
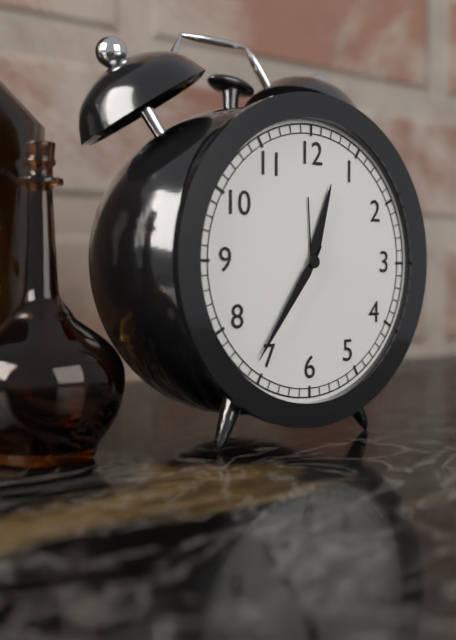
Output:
12:36
